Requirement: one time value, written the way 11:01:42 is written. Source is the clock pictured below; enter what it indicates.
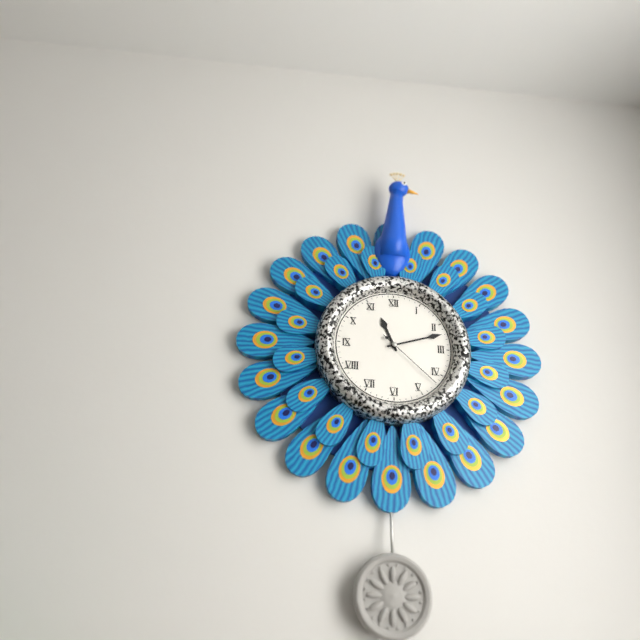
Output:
11:12:22
